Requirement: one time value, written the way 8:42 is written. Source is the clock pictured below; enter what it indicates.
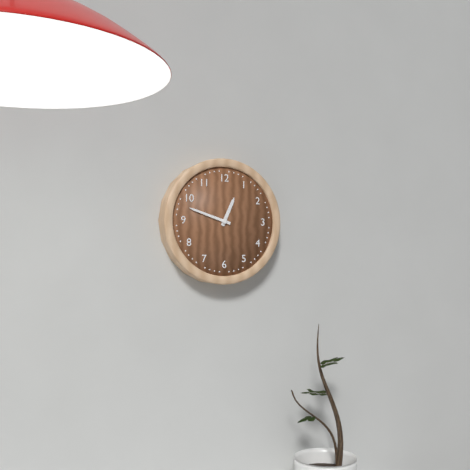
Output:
12:48
